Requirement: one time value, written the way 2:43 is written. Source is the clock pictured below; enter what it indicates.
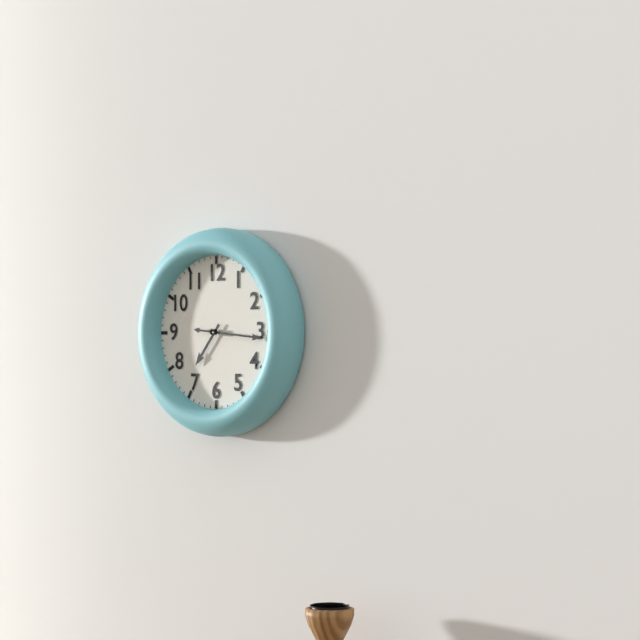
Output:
7:16
